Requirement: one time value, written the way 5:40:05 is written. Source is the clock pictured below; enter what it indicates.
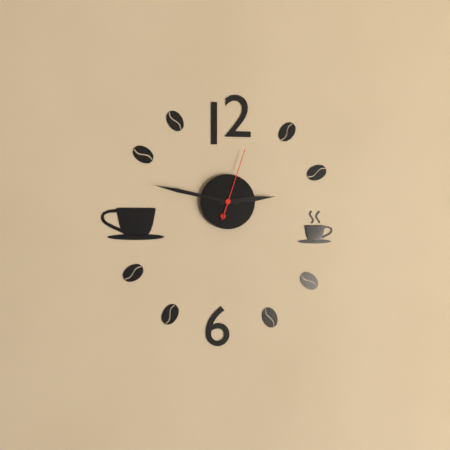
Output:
2:47:03
